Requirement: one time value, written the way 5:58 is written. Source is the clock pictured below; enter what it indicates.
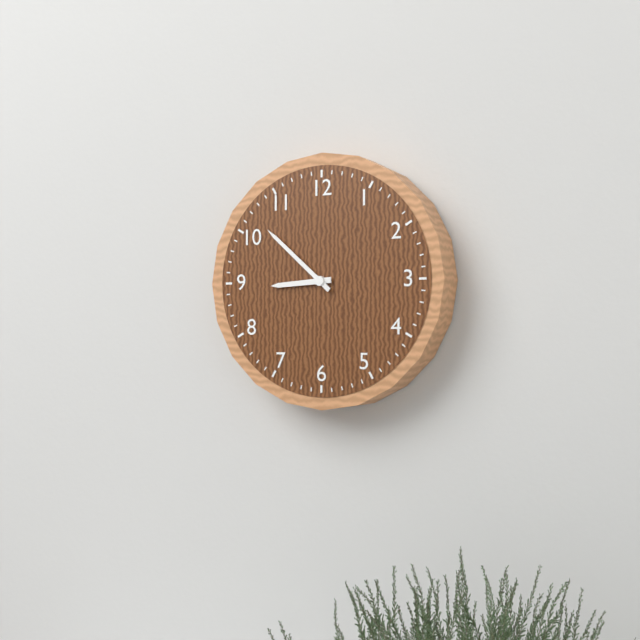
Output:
8:52
